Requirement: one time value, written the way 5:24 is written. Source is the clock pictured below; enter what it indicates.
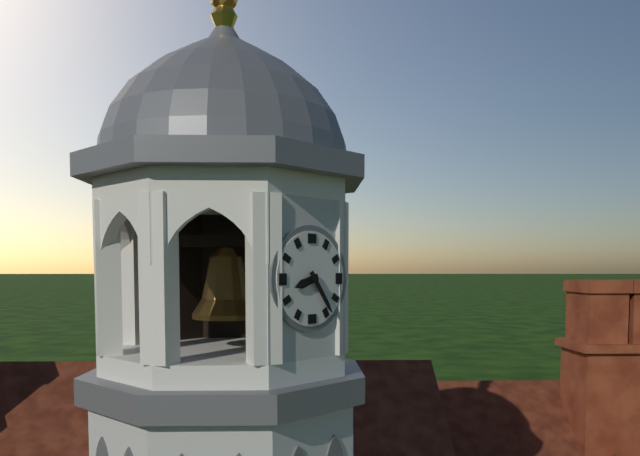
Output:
8:24
